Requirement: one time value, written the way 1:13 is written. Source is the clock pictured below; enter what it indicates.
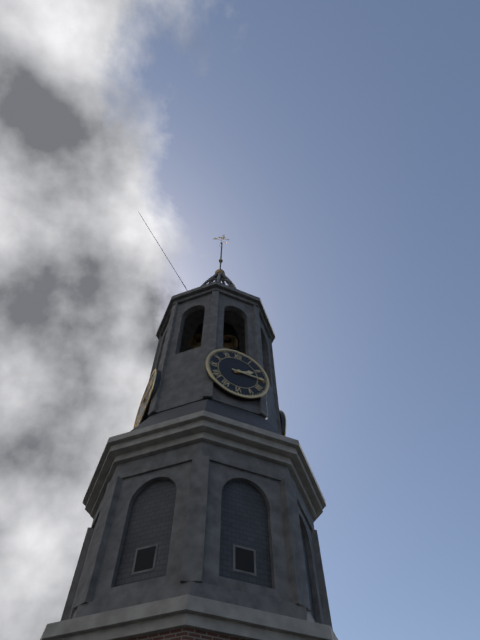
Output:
2:15
